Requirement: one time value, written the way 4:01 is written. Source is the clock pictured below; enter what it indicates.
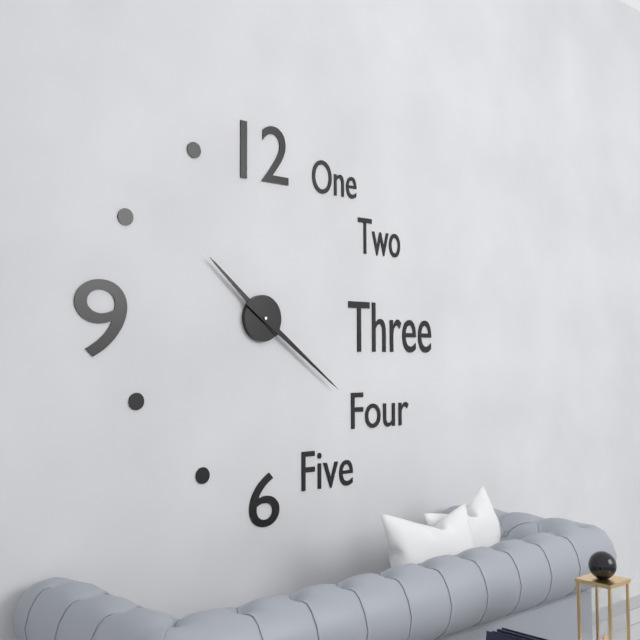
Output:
10:21
